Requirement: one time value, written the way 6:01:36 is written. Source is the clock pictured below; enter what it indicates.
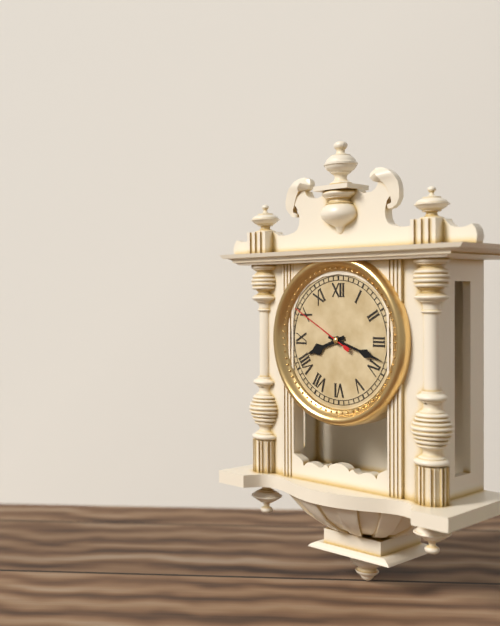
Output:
8:18:50
